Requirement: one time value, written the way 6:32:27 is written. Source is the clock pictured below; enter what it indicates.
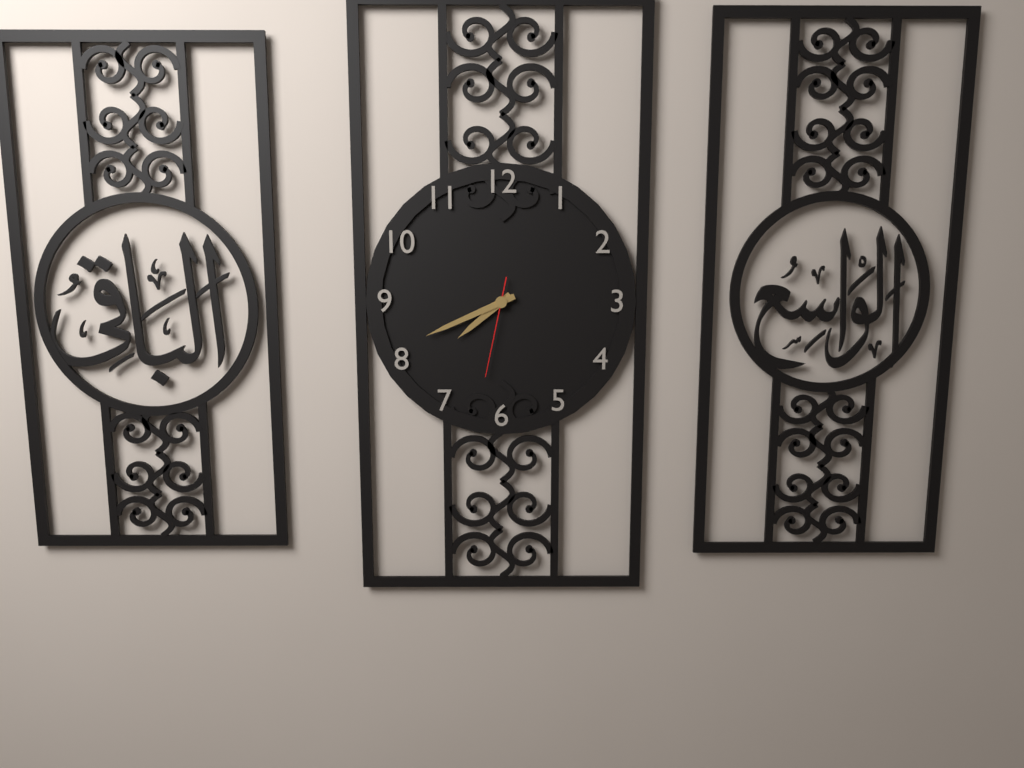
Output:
7:41:32
